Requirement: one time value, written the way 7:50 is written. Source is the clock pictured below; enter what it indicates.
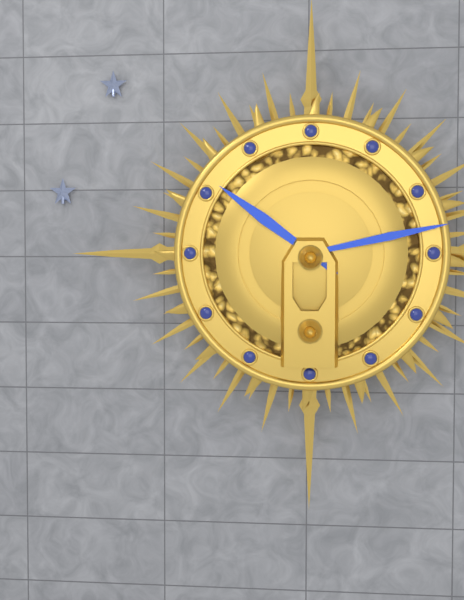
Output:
10:13
